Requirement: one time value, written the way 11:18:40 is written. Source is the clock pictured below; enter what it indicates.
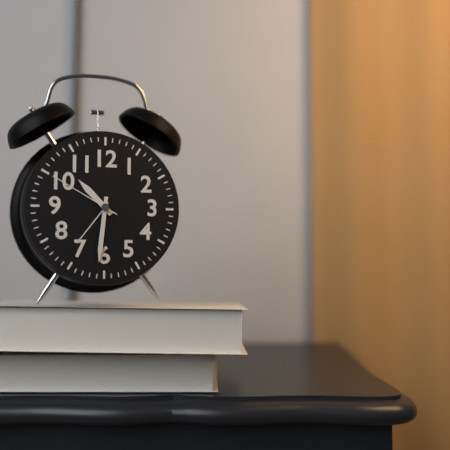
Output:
10:31:50
